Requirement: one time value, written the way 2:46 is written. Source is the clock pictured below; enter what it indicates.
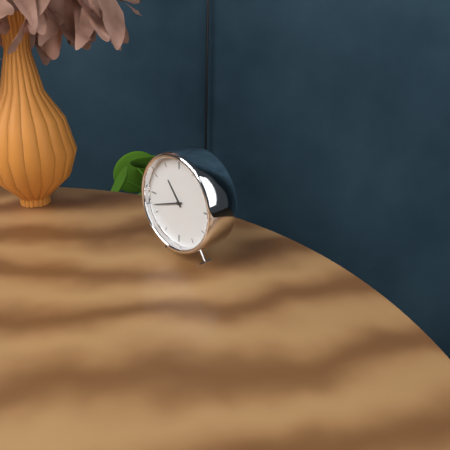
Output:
10:42
